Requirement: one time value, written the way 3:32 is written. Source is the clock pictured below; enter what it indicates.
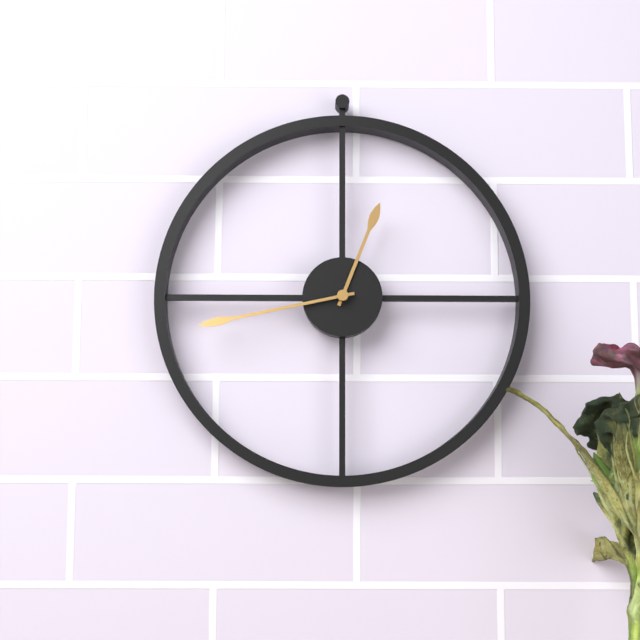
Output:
12:43
